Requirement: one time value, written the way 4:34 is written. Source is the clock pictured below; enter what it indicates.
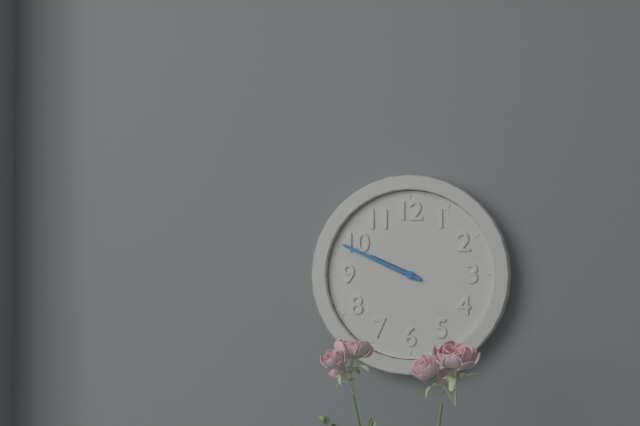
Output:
9:49
